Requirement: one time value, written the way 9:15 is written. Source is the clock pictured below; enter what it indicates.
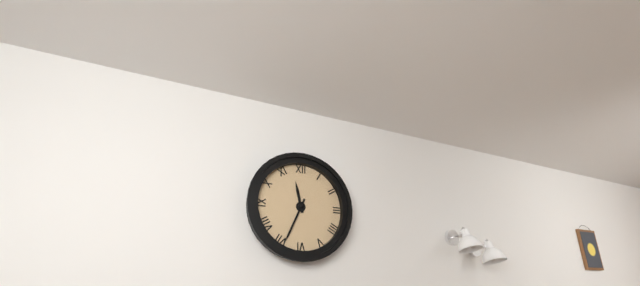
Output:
11:34
